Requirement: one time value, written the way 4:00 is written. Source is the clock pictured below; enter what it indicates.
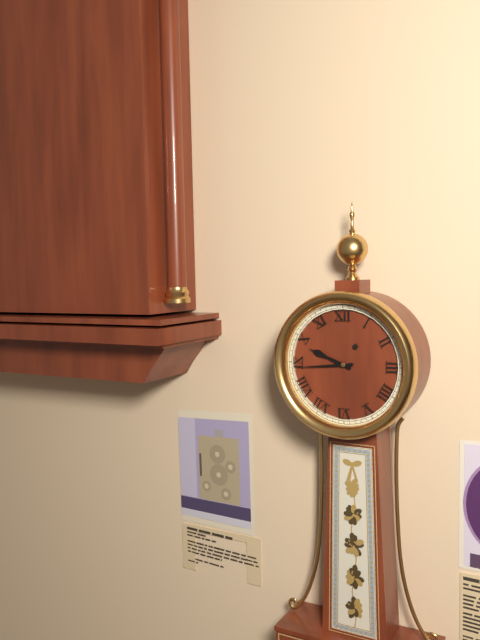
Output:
9:44
